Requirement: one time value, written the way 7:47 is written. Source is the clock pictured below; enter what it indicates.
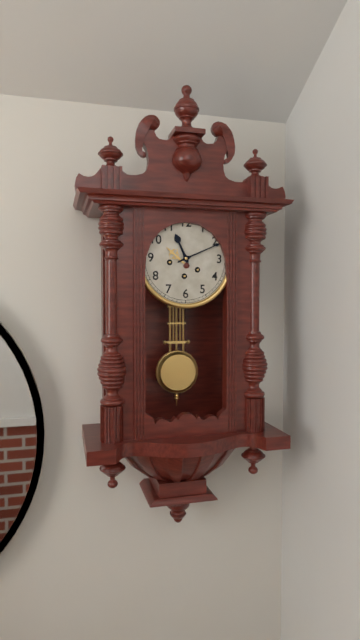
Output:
11:11
